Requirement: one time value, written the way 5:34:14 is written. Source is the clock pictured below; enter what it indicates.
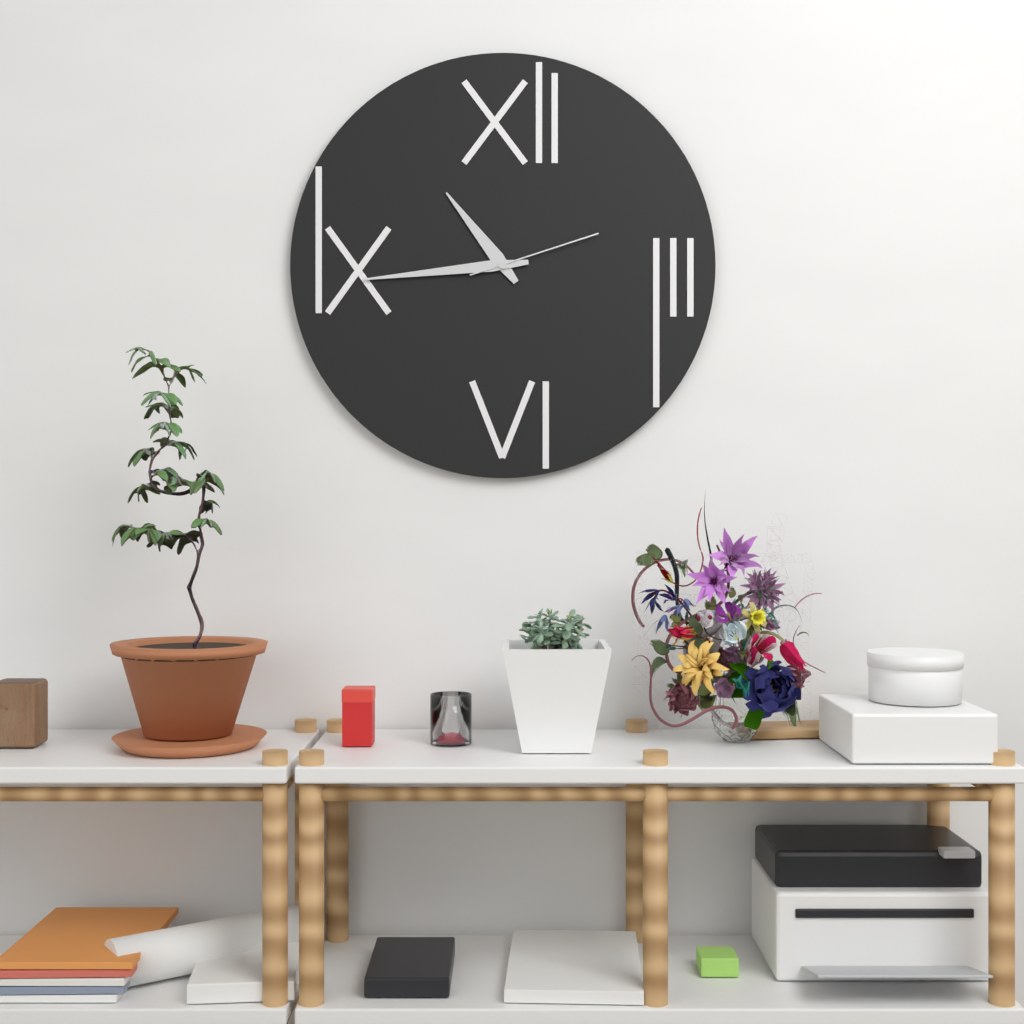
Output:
10:44:12
